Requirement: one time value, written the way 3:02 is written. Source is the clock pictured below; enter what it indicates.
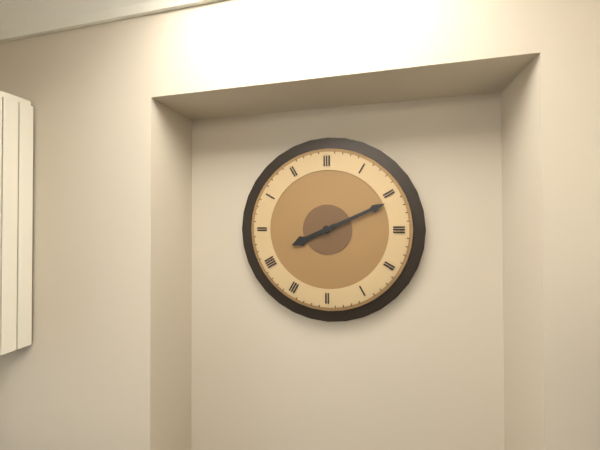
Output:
8:11
